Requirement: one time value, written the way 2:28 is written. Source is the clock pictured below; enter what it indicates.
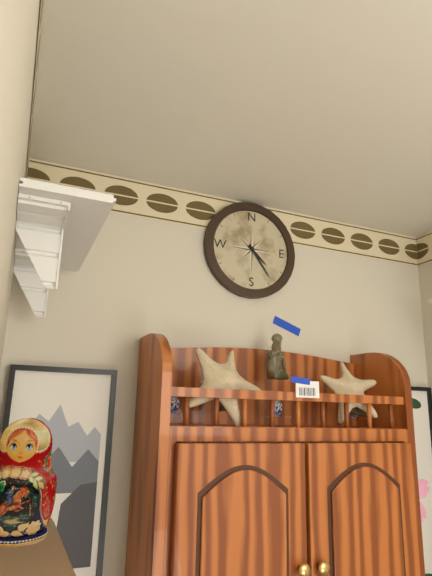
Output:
4:24
